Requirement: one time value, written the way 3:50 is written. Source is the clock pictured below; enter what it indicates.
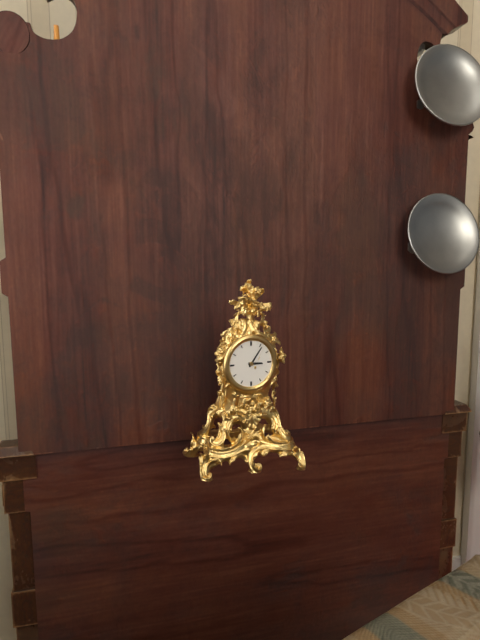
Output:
3:06
